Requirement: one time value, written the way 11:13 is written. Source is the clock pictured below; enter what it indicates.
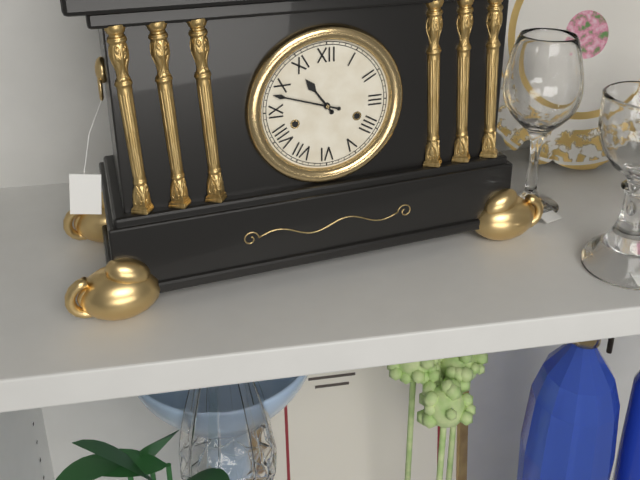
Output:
10:48
